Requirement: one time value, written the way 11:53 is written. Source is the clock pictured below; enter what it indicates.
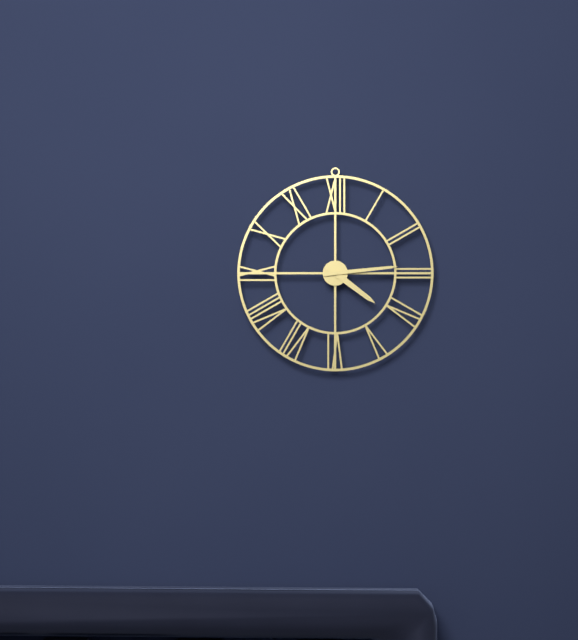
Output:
4:14
